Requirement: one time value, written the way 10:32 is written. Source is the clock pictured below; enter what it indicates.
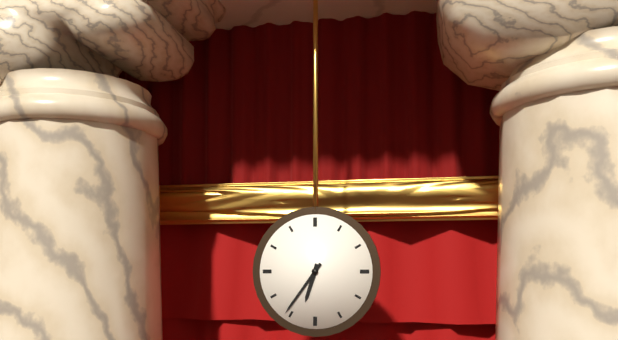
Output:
6:36
